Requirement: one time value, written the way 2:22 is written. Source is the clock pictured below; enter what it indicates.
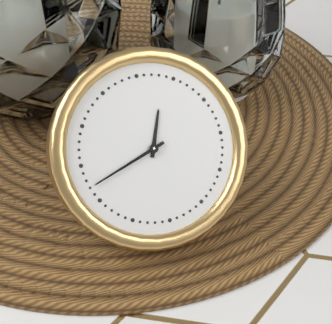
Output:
12:42
